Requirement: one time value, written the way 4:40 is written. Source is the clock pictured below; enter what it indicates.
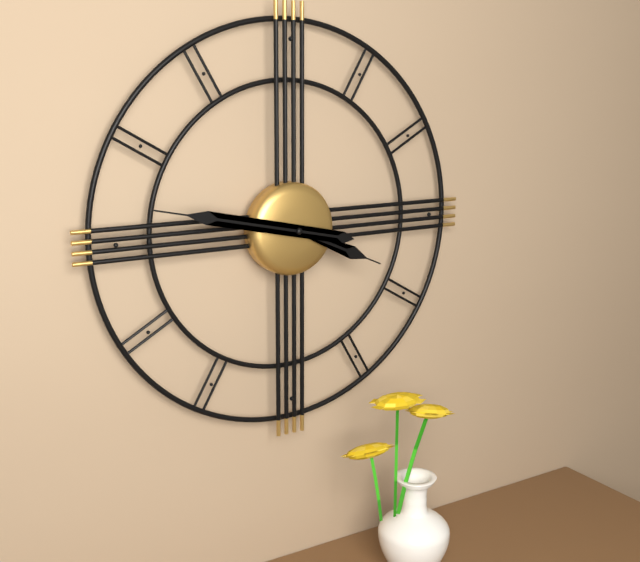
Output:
3:47
